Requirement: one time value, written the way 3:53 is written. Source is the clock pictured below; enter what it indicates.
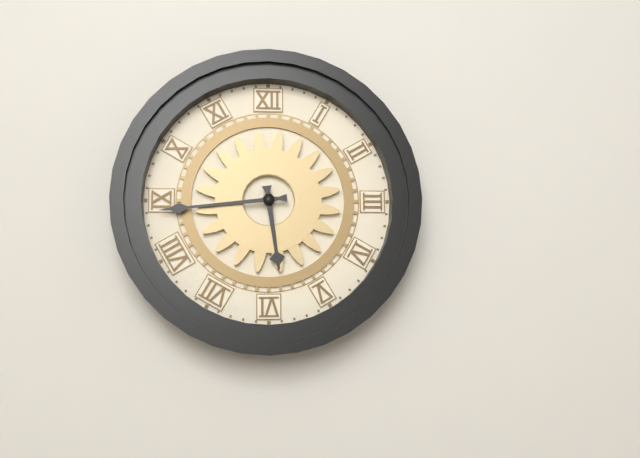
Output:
5:44
